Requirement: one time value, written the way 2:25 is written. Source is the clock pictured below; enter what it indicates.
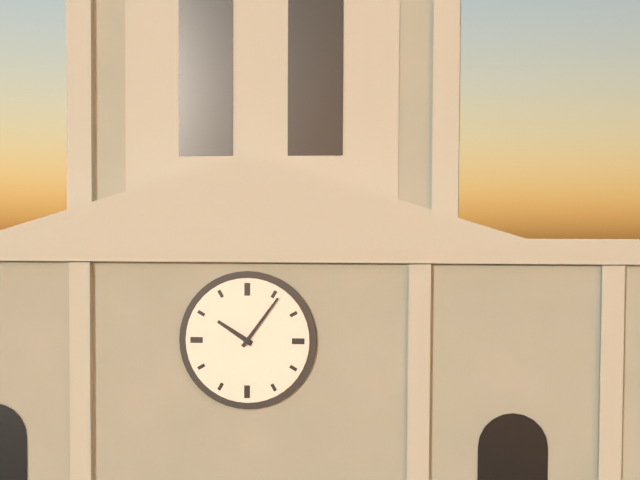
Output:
10:06
